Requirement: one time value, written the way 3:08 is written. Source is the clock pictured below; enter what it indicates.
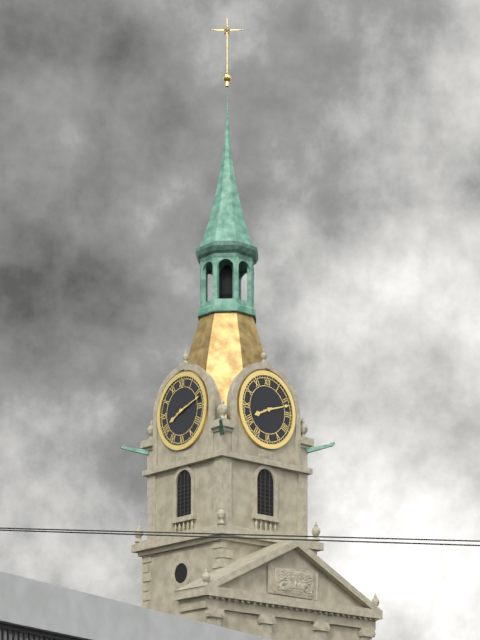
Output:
8:12
